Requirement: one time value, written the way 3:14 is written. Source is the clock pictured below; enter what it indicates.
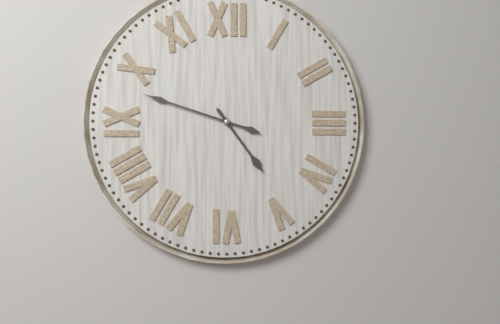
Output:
4:48
